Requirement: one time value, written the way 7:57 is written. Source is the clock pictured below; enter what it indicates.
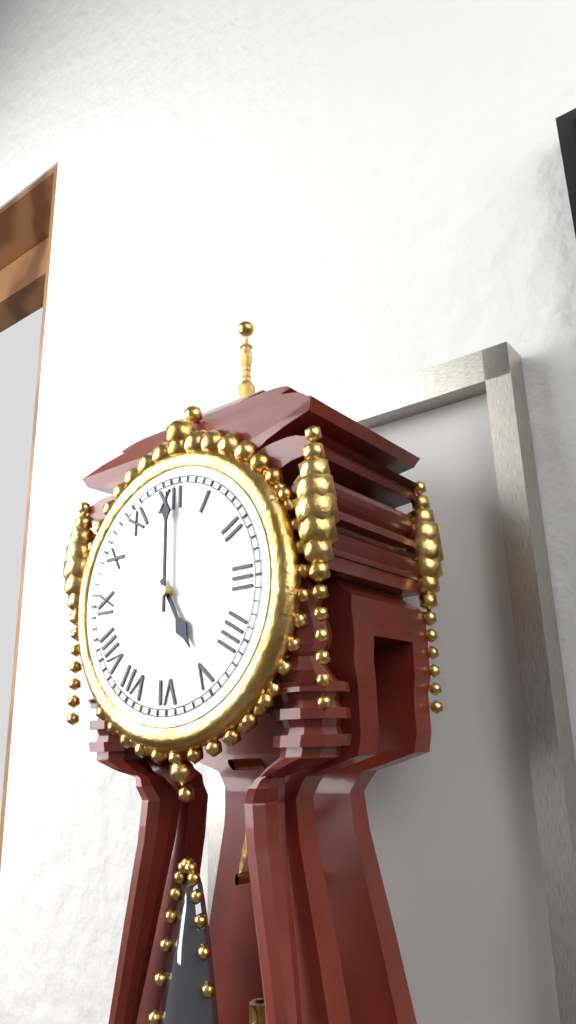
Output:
5:00
